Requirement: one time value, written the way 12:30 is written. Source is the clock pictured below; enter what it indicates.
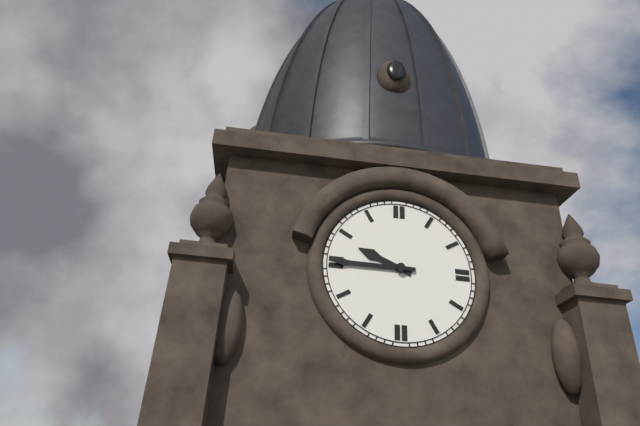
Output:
9:45
